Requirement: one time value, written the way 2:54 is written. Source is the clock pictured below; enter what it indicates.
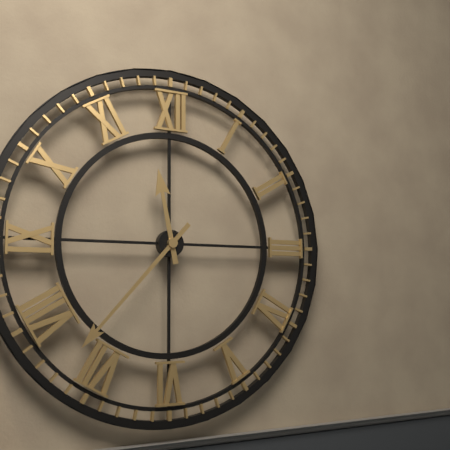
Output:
11:37
